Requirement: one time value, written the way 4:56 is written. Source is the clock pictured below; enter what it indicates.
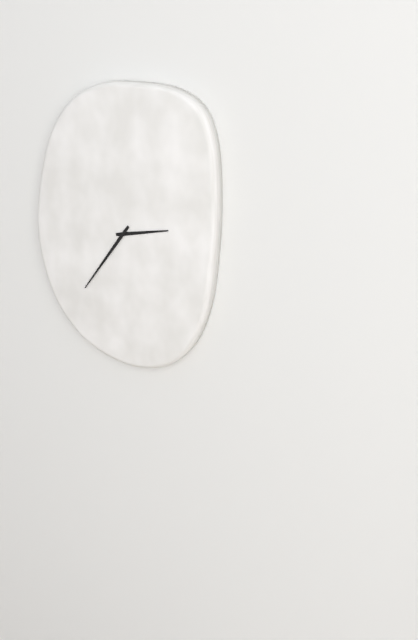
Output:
2:36
